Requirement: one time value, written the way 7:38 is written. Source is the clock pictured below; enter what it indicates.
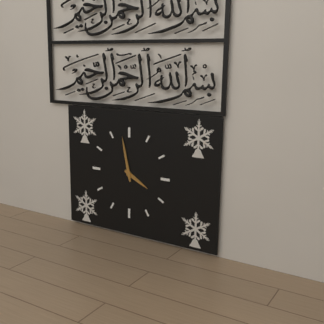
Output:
3:58
